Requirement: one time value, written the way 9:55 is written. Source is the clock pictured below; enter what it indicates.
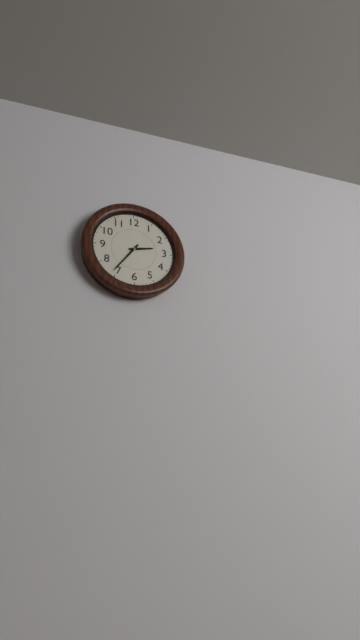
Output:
2:36
